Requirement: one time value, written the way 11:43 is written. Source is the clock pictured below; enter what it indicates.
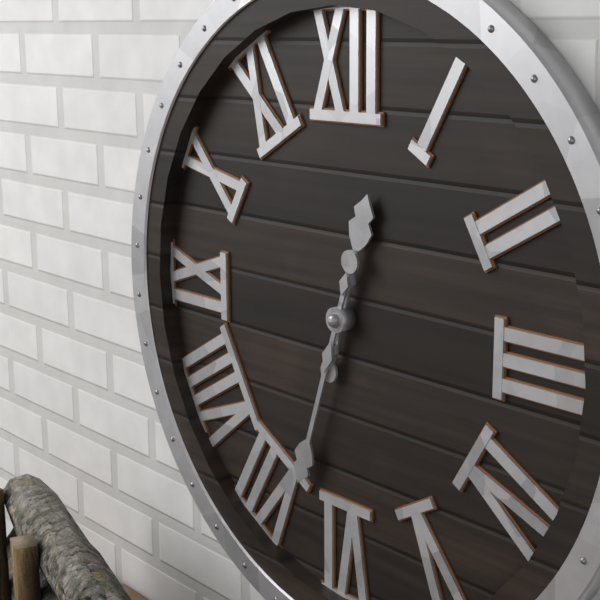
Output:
12:33
